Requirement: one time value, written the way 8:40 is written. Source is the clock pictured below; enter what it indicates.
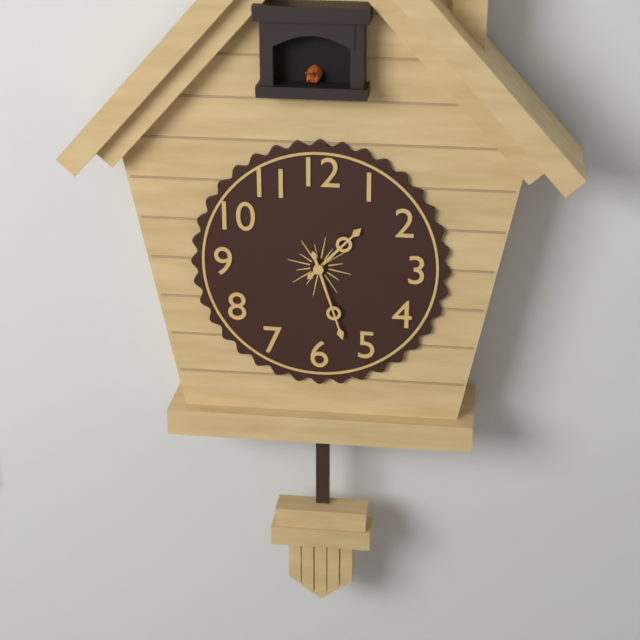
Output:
1:27
